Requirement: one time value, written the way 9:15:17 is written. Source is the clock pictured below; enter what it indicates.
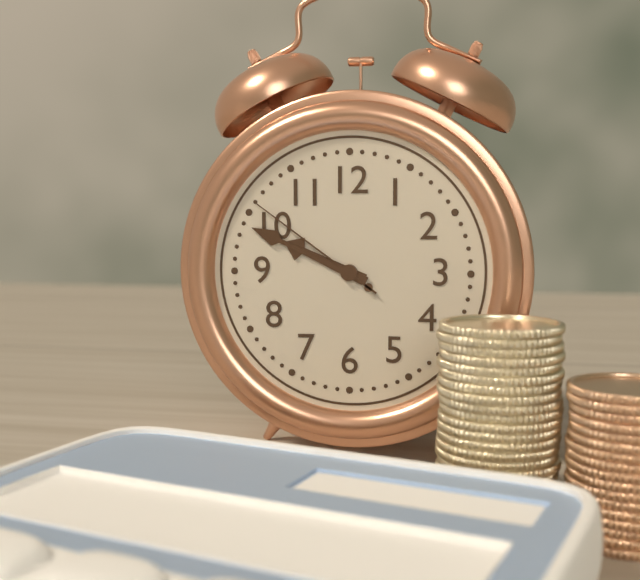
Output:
9:49:51
